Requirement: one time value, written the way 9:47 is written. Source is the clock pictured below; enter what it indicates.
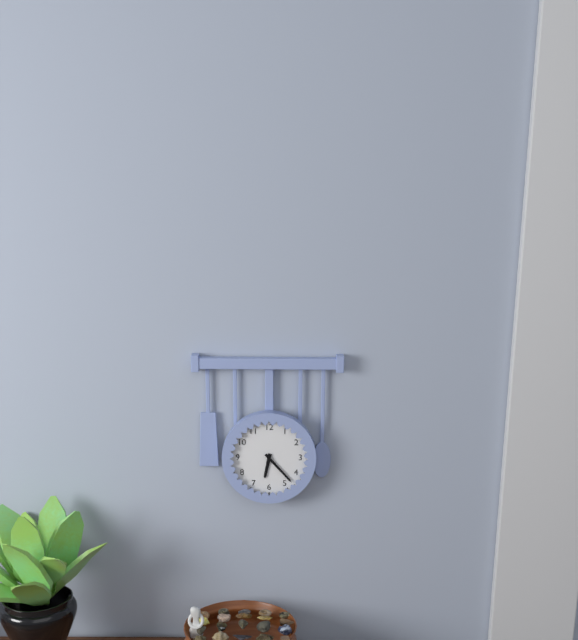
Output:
6:23
